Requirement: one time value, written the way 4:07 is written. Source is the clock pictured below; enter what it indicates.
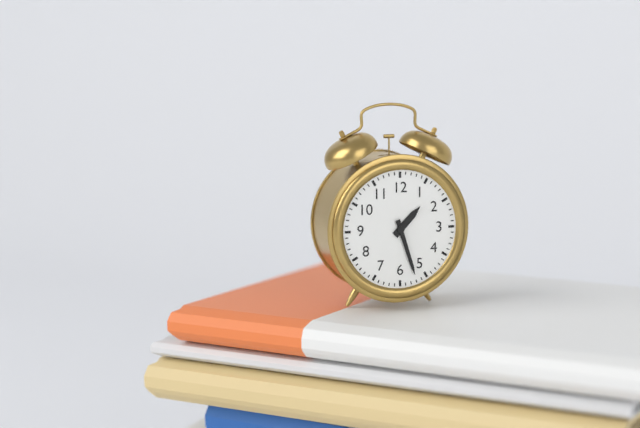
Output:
1:27
